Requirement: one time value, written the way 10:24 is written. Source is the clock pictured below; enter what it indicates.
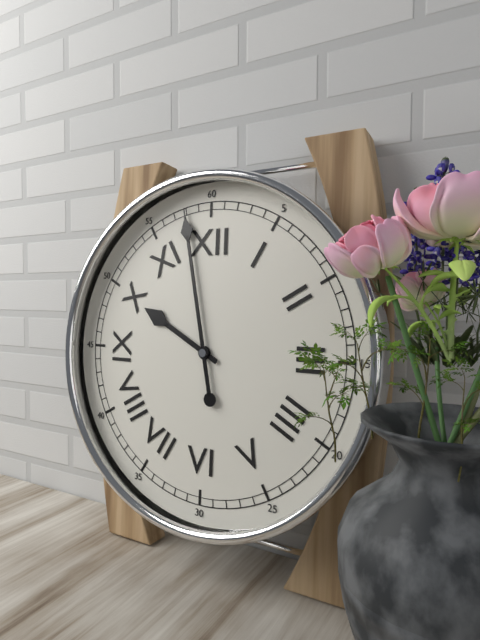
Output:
9:58
